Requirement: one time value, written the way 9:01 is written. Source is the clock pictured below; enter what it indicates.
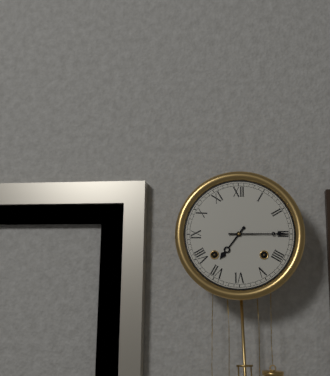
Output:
7:15
